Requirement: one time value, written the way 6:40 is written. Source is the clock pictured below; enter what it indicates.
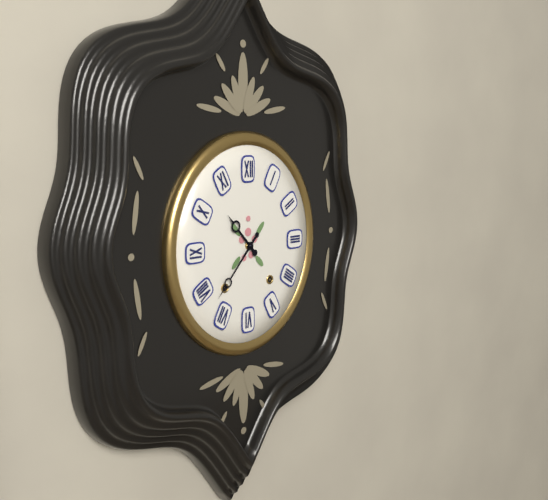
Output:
10:37
